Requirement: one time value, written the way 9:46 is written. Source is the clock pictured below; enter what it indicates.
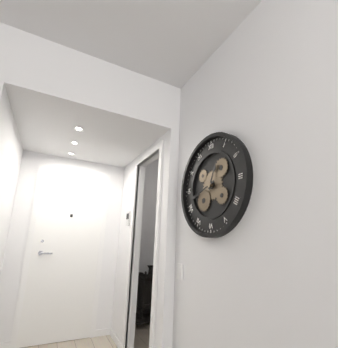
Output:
12:42
